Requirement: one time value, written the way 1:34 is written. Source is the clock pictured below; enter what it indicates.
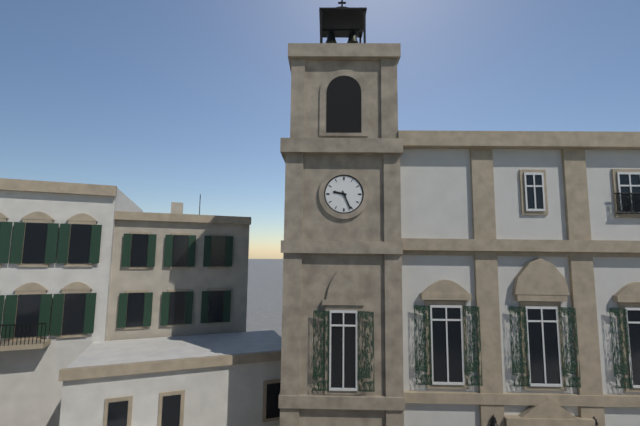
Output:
9:26
